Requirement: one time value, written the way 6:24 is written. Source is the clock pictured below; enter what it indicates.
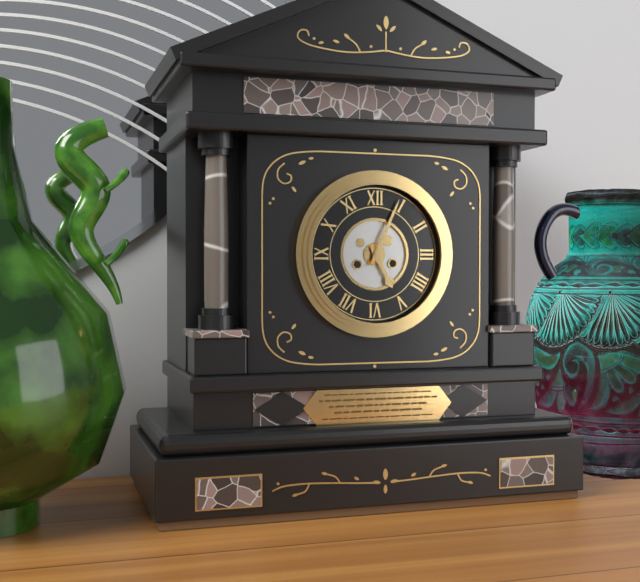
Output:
5:04
